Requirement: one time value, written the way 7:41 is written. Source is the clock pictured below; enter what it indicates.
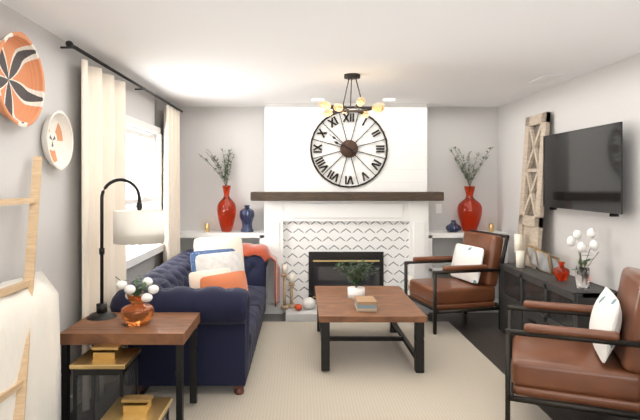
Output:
9:51
